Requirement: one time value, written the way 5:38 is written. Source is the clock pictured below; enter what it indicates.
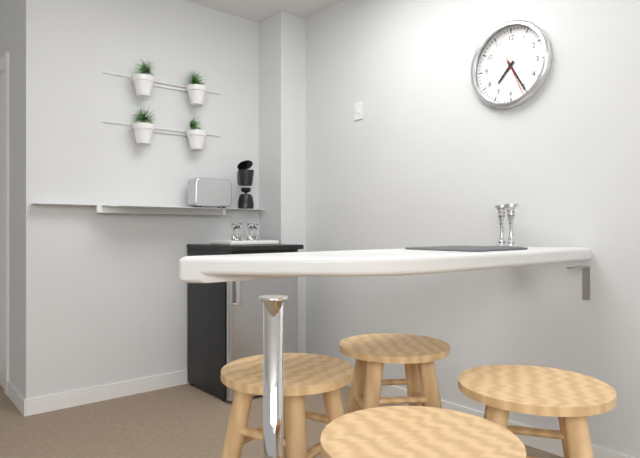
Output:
7:25
